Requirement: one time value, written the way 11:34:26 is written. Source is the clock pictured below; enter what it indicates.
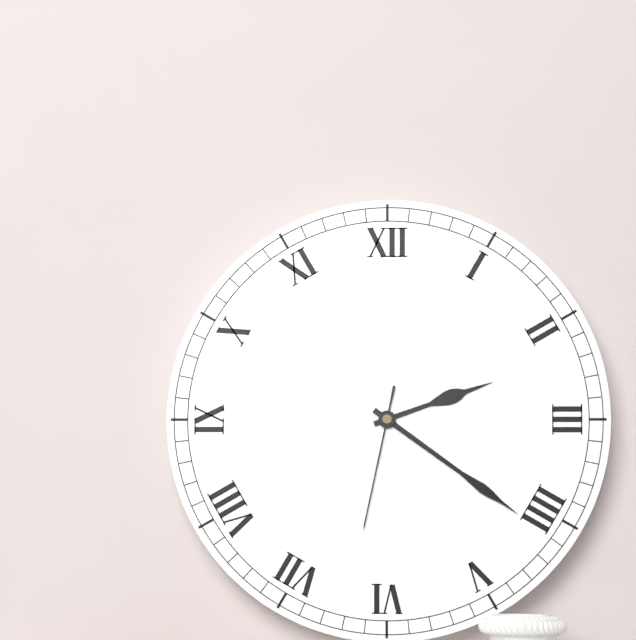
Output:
2:21:32
